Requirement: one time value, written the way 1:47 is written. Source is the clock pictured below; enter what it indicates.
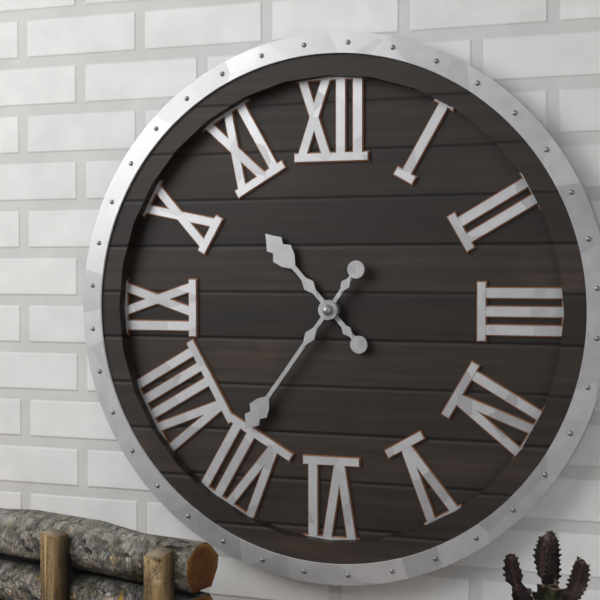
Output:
10:36
